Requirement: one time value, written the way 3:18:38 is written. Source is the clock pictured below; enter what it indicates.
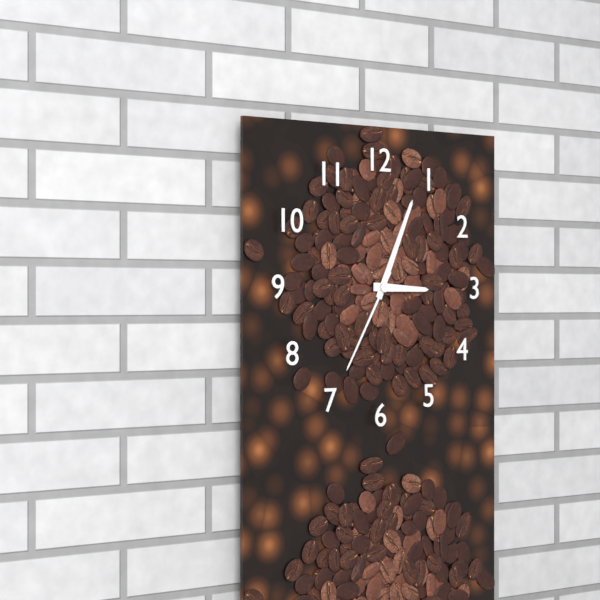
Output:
3:04:35
